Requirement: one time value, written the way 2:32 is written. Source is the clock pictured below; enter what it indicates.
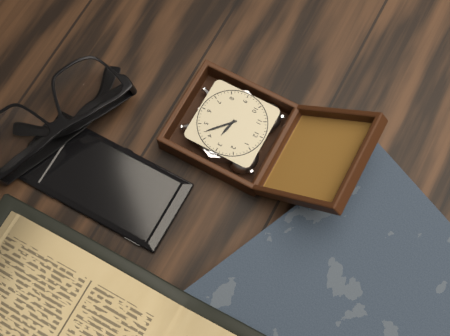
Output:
3:22
